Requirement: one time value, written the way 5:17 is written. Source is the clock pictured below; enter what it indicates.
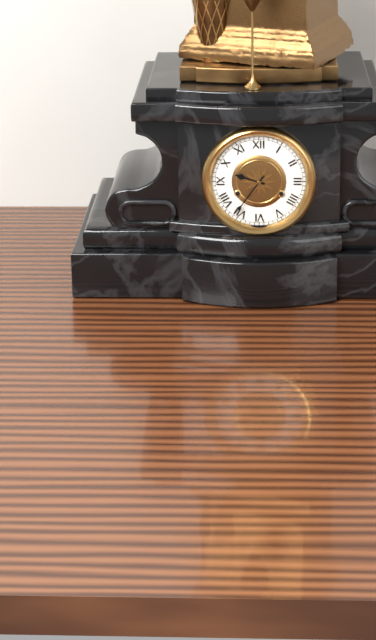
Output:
9:36
